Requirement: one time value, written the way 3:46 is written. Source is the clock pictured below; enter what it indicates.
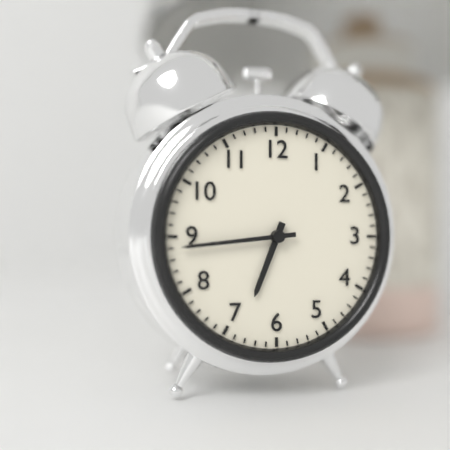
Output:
6:44
